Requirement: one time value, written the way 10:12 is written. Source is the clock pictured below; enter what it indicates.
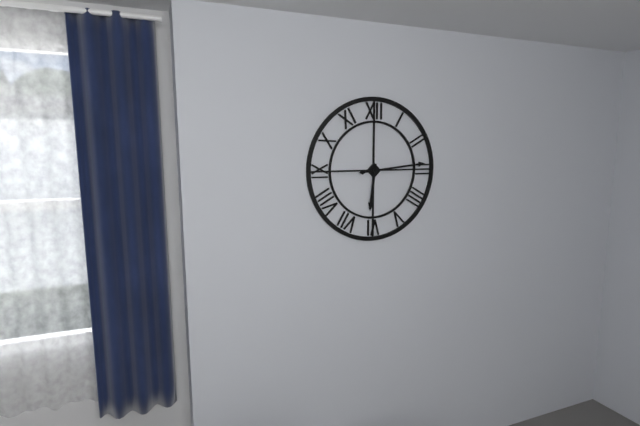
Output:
6:14
